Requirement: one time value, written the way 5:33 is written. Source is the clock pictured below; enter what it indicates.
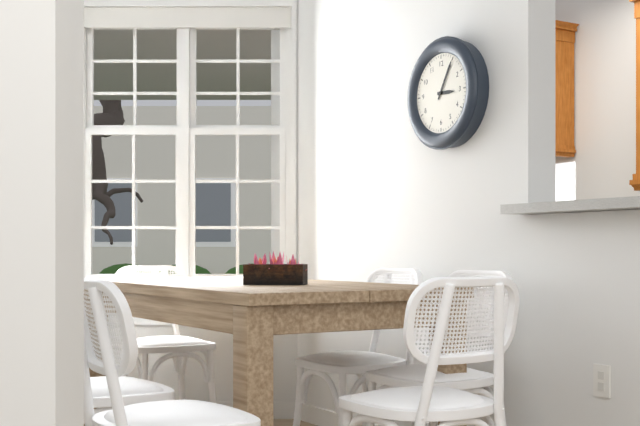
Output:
3:05
